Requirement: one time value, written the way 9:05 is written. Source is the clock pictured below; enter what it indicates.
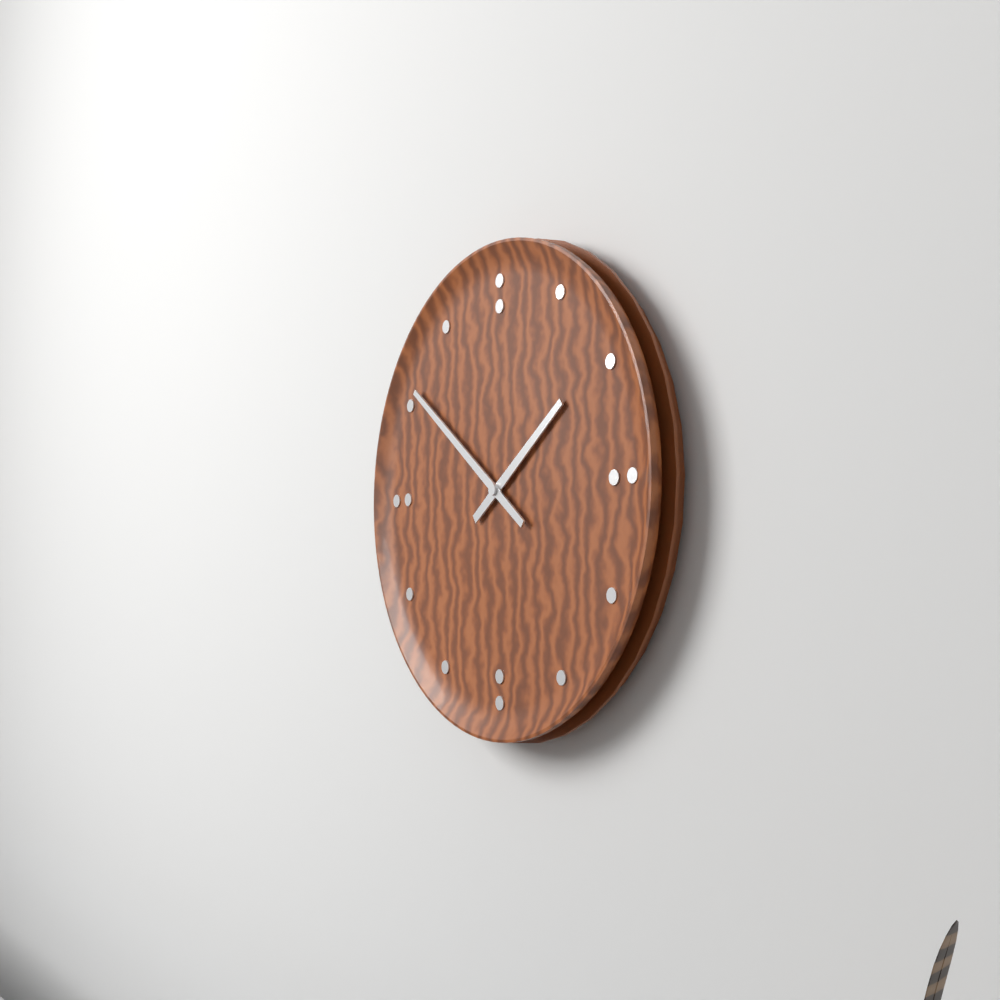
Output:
1:51
